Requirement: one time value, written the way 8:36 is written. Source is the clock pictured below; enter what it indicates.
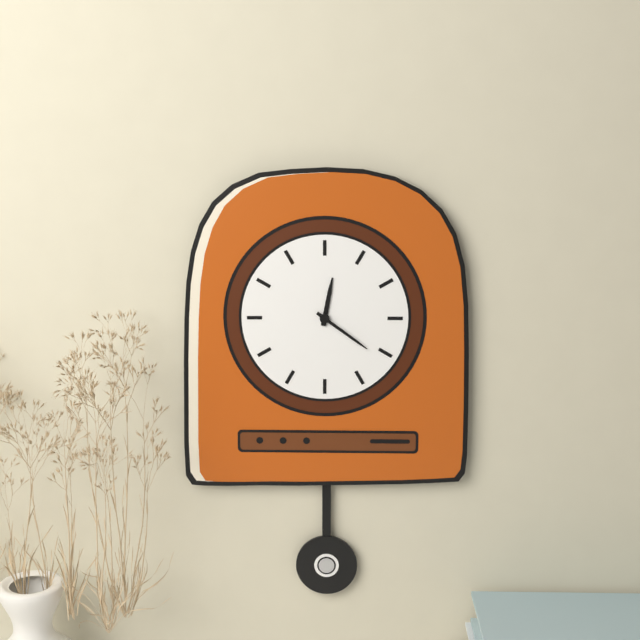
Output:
12:21
